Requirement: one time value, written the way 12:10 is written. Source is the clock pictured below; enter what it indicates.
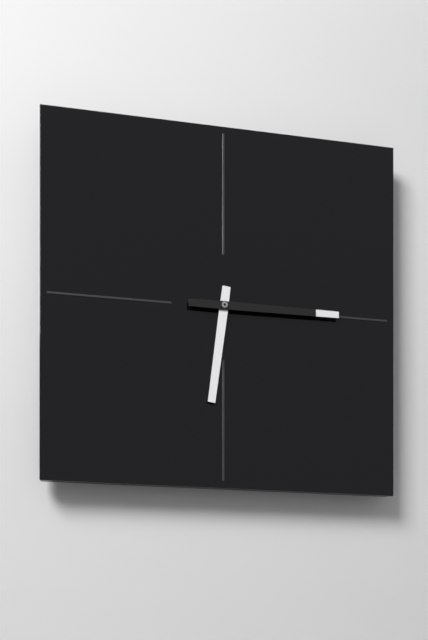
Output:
6:15
